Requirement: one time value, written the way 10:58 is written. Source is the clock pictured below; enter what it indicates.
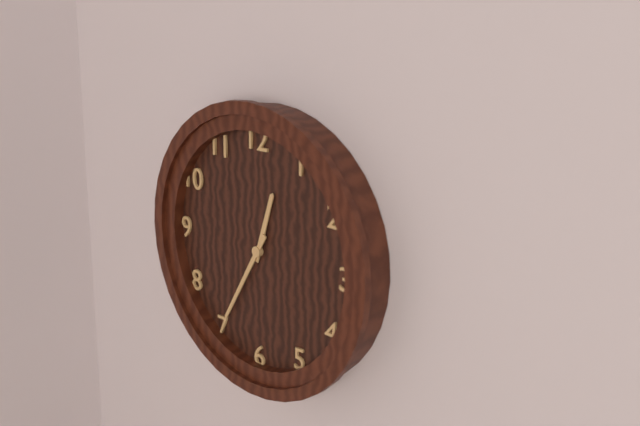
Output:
12:35
